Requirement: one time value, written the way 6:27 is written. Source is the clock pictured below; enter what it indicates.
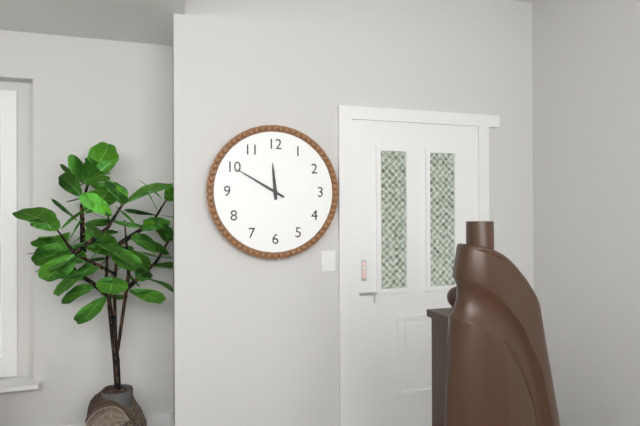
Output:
11:50
